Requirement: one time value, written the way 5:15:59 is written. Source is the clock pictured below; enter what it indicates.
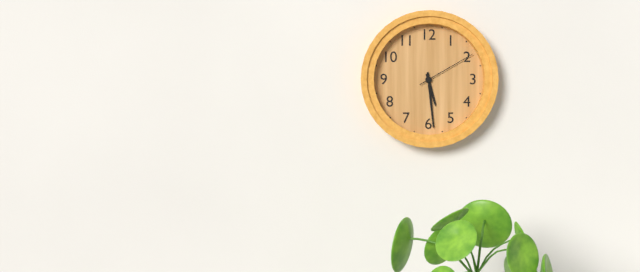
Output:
5:29:10
